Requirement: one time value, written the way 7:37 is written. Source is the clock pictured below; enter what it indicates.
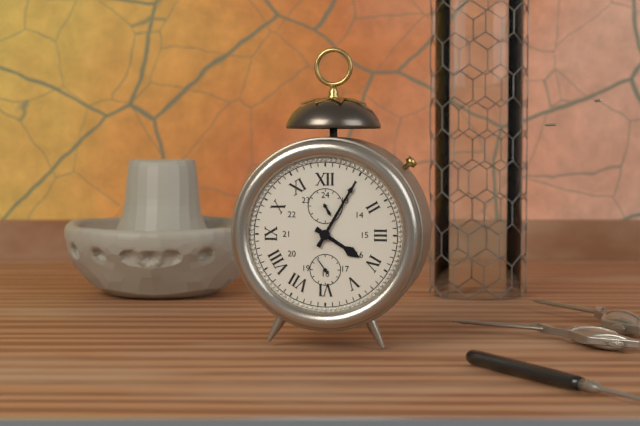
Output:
4:05
